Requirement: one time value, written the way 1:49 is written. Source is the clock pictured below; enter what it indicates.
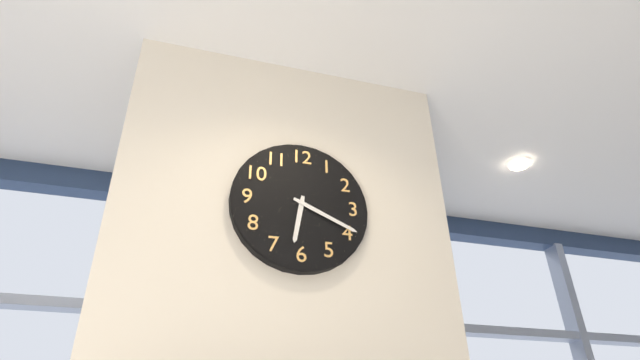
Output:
6:19
